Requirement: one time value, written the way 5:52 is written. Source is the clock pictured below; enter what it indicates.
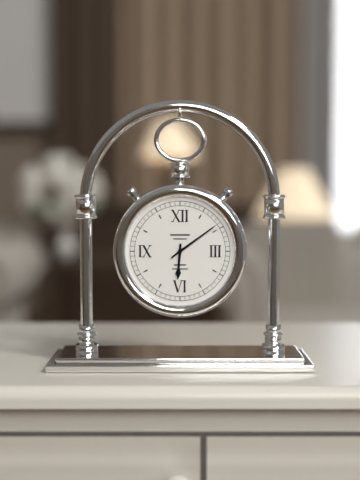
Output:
6:09
